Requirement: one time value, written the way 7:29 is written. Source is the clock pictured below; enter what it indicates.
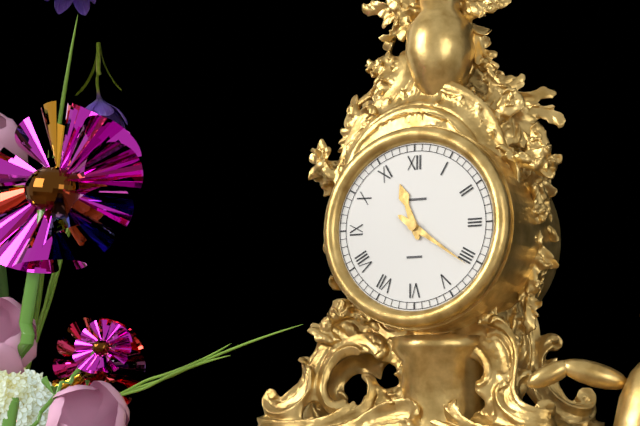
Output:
11:21
